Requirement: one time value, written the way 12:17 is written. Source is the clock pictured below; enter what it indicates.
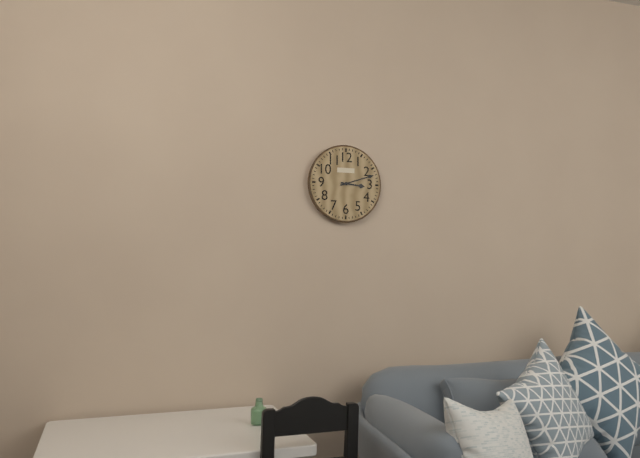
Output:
3:12
